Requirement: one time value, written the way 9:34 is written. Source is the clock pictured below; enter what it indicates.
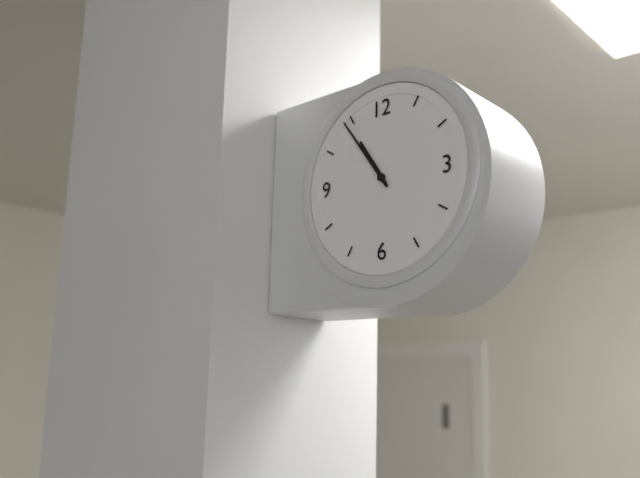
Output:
10:54
